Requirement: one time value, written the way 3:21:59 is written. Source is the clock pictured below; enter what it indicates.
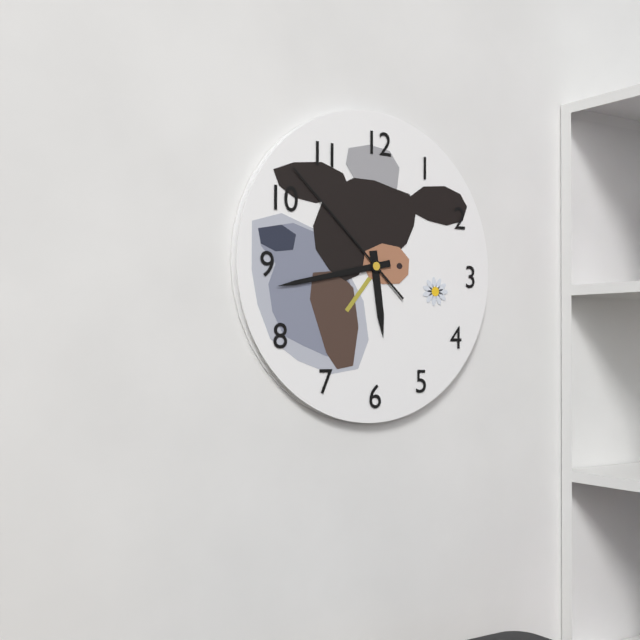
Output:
5:43:52
